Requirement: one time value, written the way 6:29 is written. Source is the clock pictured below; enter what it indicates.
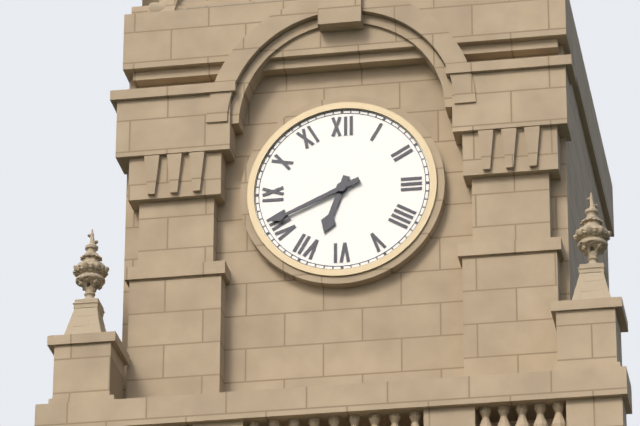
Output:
6:41
